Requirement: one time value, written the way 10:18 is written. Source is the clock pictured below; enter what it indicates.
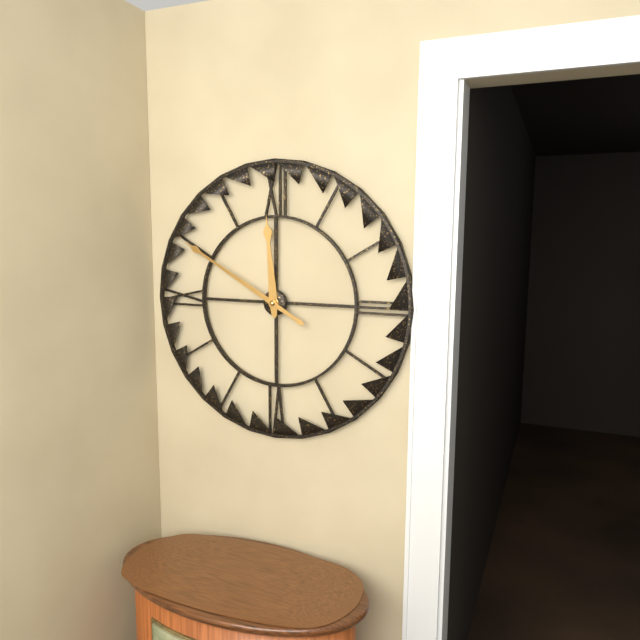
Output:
11:50
